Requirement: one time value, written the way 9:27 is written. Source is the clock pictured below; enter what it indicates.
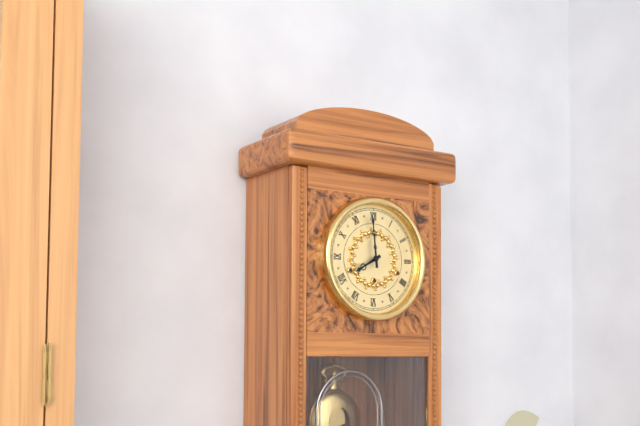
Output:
7:59
